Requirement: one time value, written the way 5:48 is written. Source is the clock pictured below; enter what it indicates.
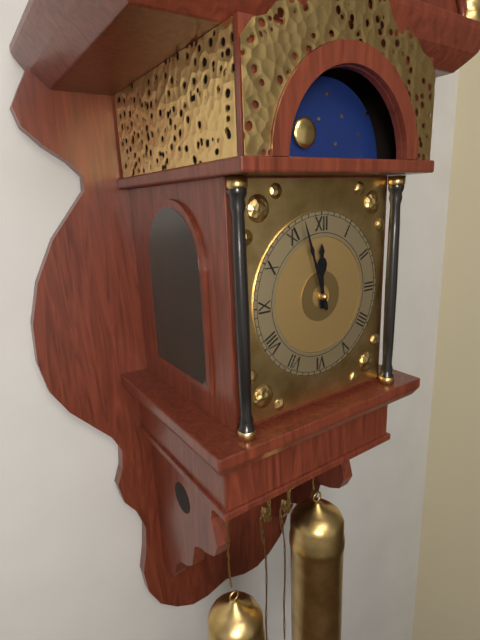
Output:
11:57
